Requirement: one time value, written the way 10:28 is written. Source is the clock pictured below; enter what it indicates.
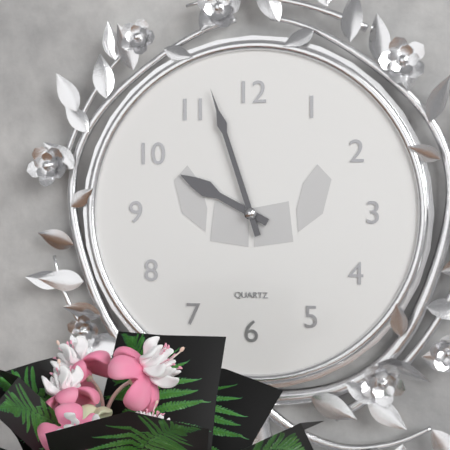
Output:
9:57
